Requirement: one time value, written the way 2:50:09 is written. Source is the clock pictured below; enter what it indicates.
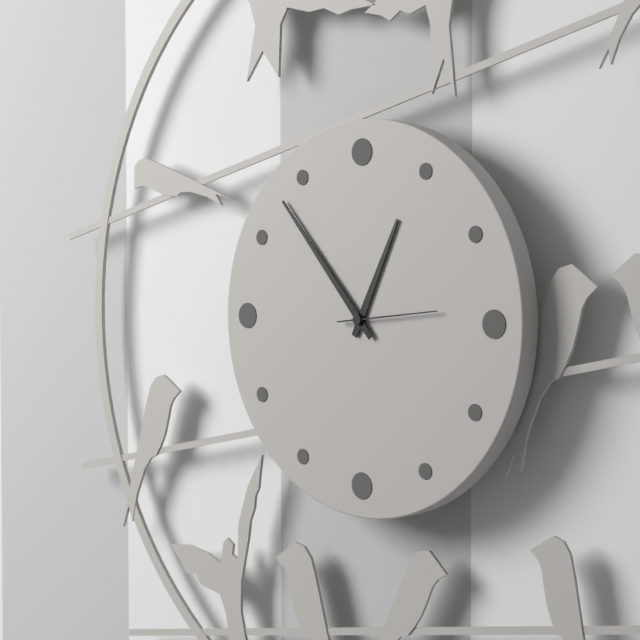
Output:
12:53:14
